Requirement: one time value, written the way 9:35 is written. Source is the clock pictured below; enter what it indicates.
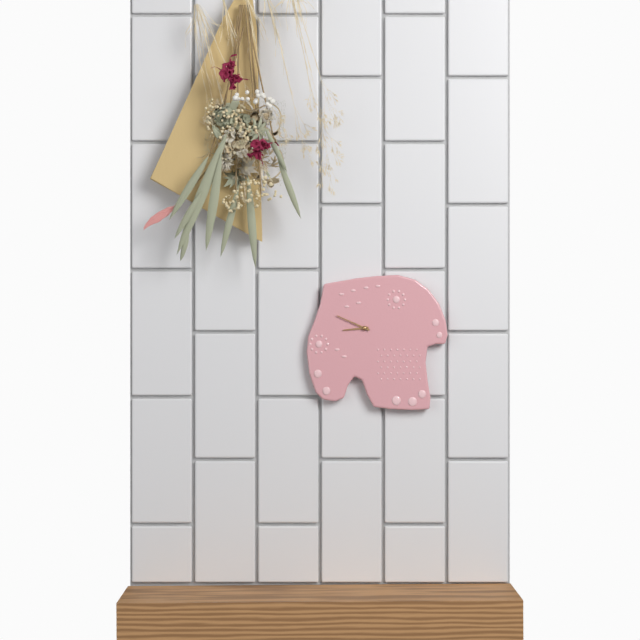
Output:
8:49
